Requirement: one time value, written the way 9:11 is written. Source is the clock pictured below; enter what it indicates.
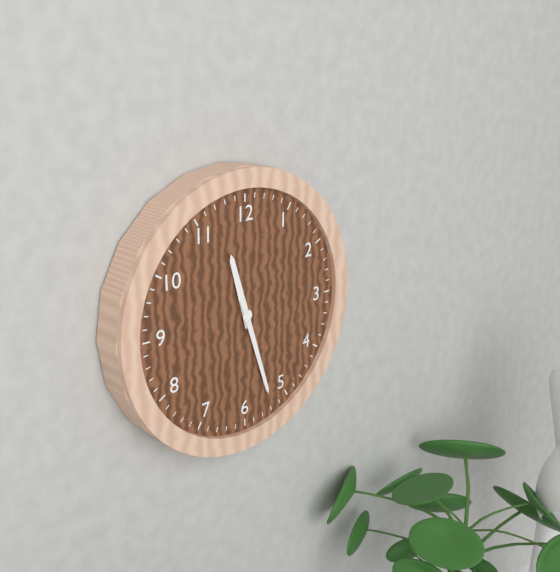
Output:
11:27
